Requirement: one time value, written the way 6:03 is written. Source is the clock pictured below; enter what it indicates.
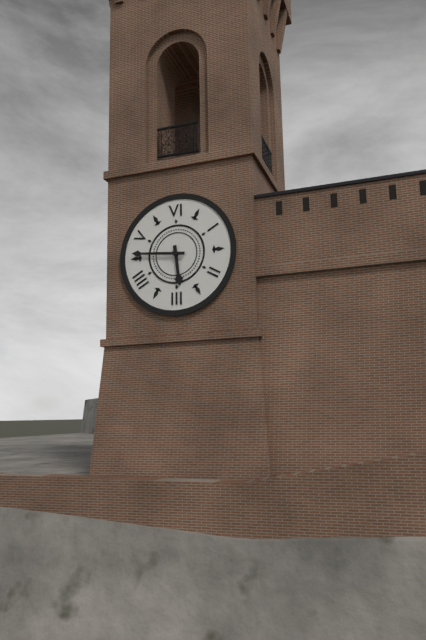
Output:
5:46
